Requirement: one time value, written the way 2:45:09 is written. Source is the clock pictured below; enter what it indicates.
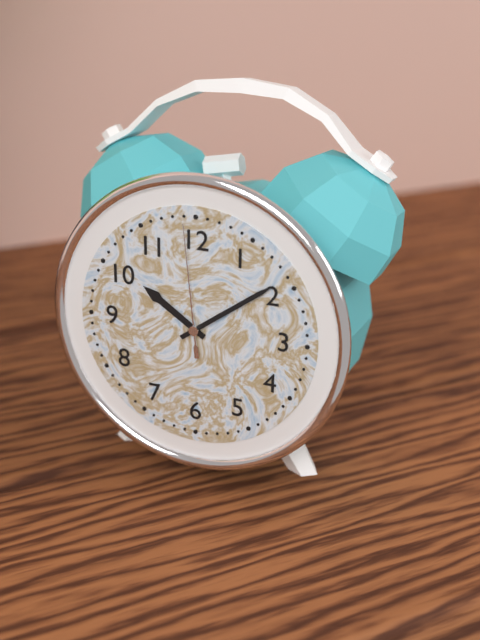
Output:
10:09:59
